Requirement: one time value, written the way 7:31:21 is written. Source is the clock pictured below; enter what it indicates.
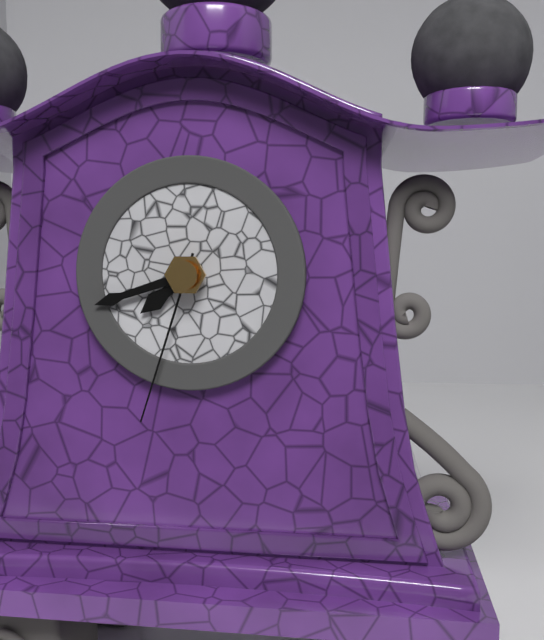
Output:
7:42:33
